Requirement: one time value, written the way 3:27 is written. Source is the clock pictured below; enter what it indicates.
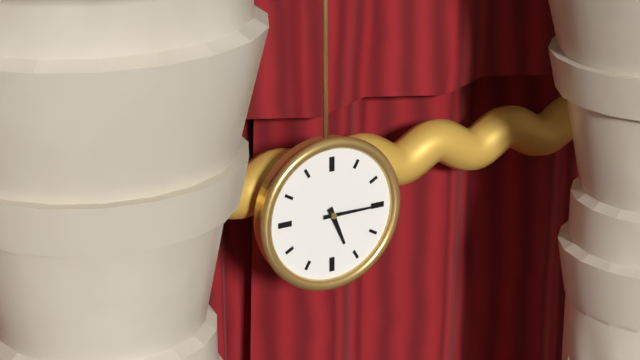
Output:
5:15
